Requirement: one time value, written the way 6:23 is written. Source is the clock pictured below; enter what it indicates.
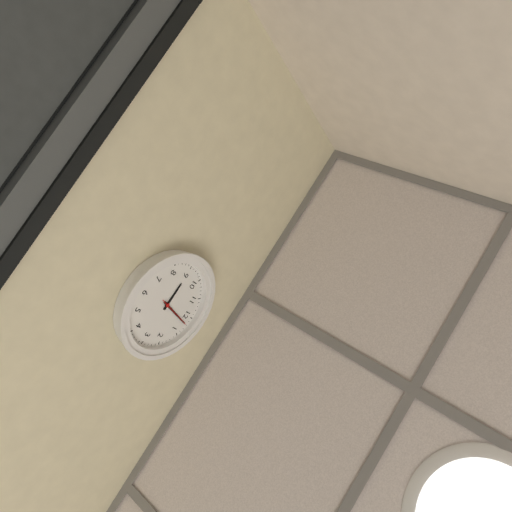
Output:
9:02
